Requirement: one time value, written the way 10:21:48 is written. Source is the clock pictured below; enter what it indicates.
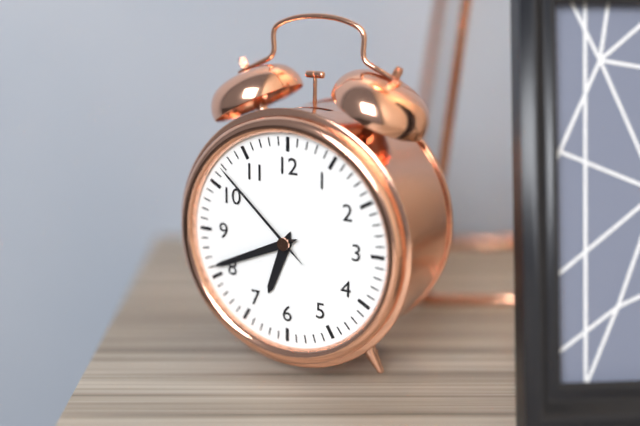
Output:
6:41:52
